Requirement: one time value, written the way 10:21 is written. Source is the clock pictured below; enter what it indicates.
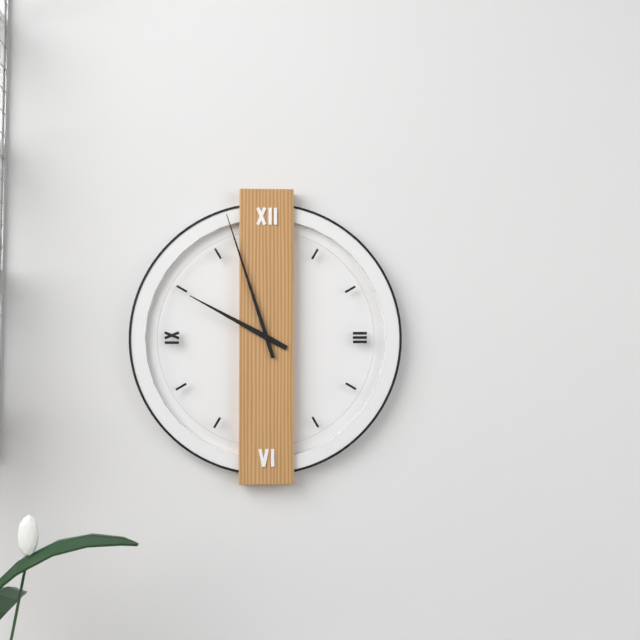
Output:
9:57
